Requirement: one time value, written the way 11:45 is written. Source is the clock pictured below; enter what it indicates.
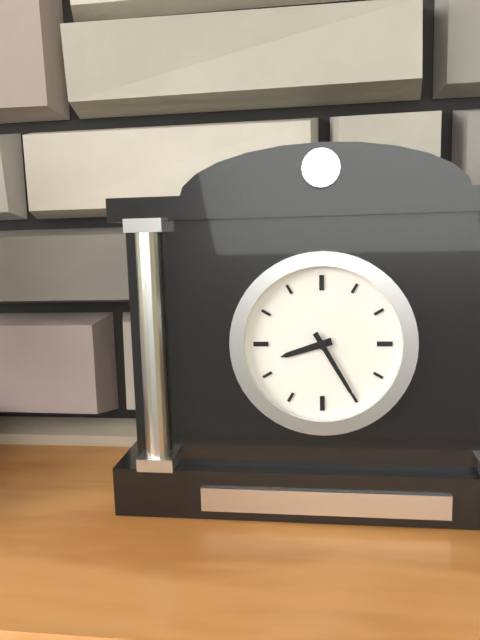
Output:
8:25
